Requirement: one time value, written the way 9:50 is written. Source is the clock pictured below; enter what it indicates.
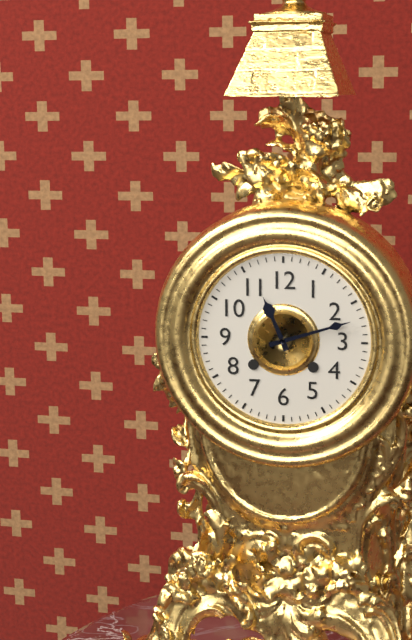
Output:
11:12
